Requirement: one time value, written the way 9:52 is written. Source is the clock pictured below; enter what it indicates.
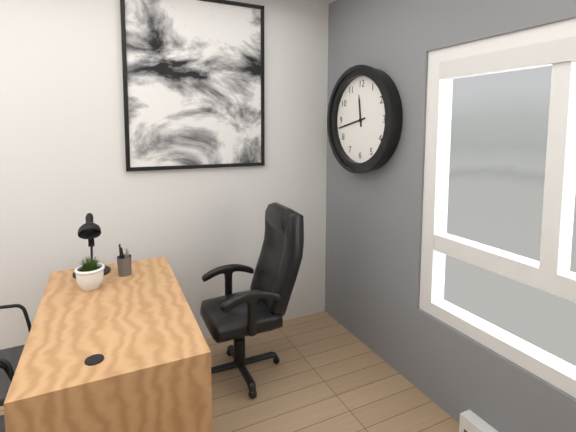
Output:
11:43
